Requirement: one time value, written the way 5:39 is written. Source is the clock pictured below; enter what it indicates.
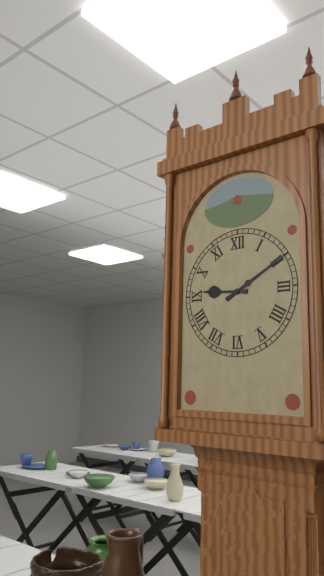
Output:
9:10
